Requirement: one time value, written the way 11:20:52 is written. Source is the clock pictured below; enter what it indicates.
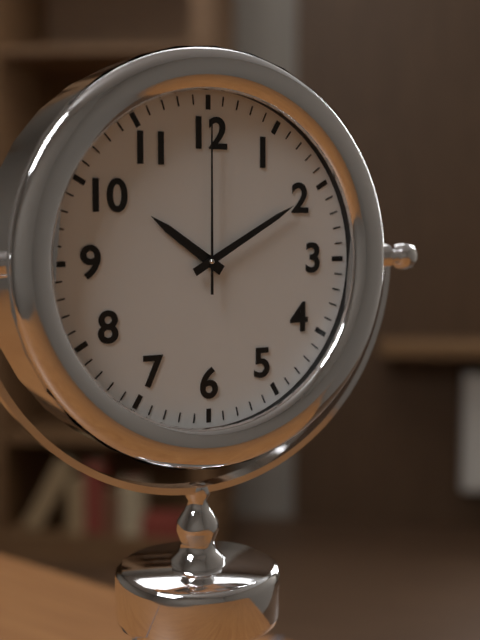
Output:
10:10:00
